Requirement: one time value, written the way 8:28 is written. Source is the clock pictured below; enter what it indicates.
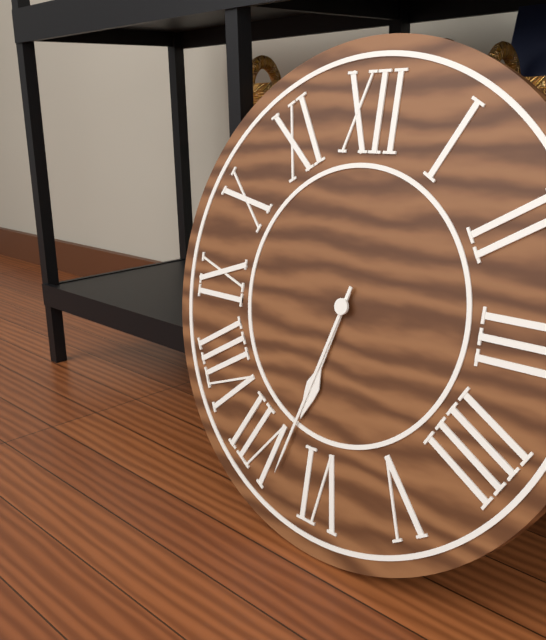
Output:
6:33
